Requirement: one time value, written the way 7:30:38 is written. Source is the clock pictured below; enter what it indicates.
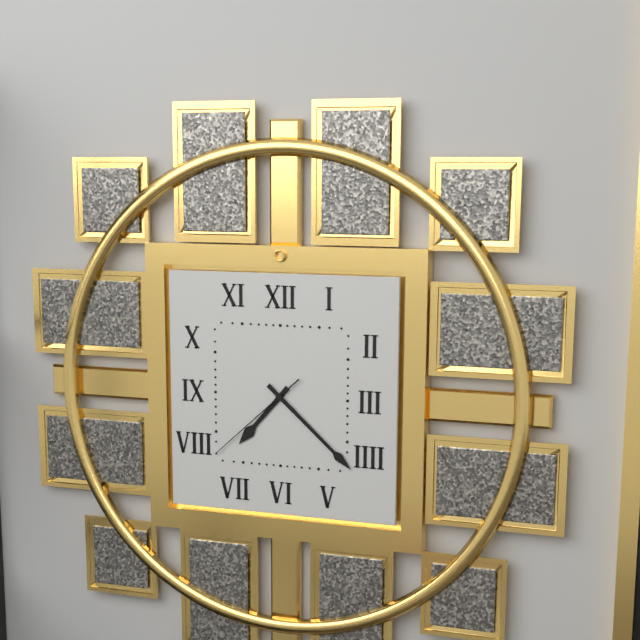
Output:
7:22:38
